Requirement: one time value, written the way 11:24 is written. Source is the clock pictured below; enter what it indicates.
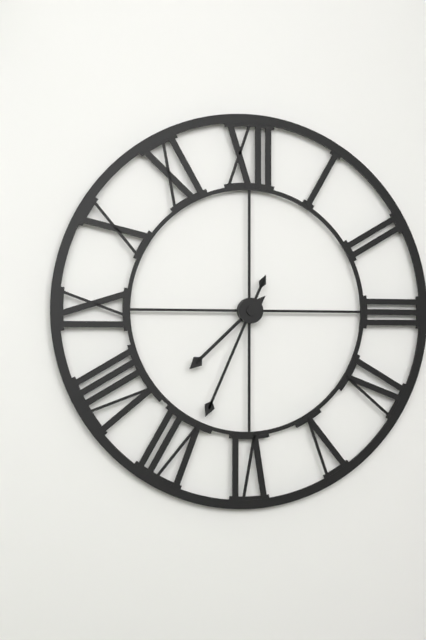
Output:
7:34
